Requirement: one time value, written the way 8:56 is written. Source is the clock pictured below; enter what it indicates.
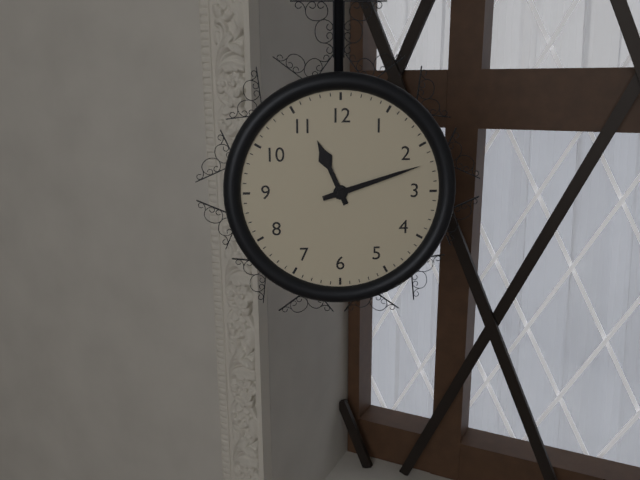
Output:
11:12
